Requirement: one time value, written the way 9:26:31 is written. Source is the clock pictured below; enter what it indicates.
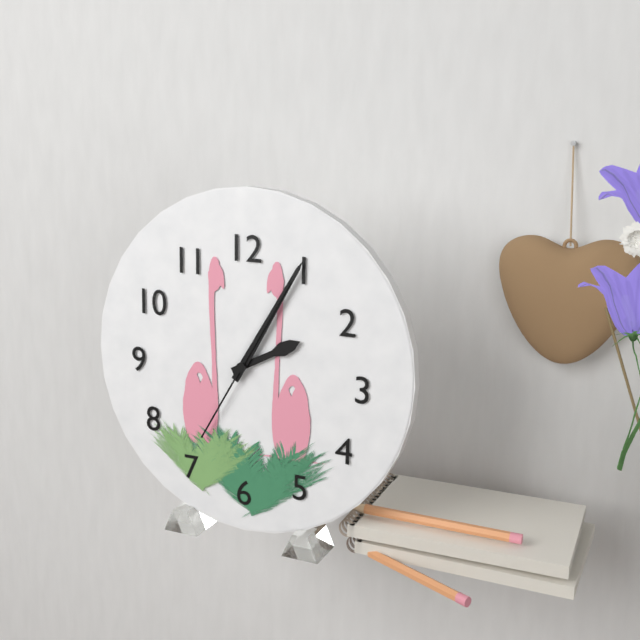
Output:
2:05:05
